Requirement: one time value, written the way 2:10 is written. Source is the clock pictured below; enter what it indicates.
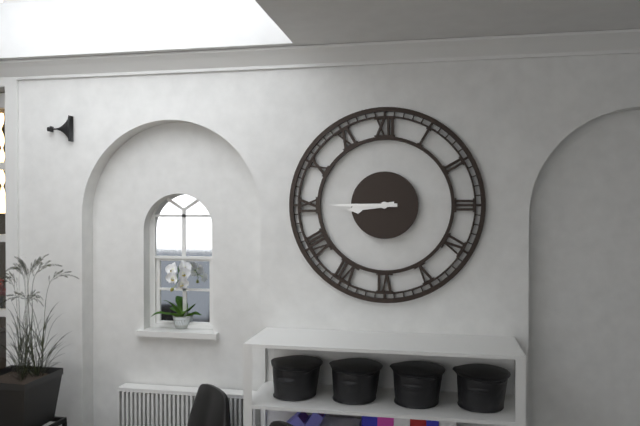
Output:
8:45
